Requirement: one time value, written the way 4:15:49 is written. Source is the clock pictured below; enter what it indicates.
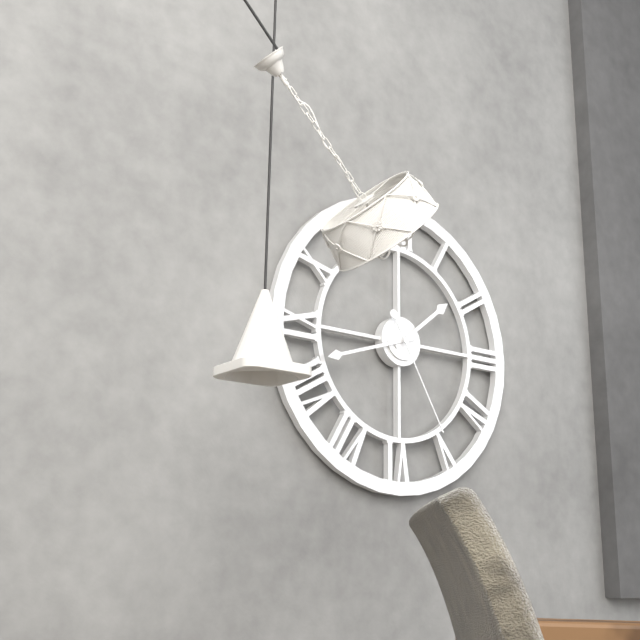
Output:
1:42:25
